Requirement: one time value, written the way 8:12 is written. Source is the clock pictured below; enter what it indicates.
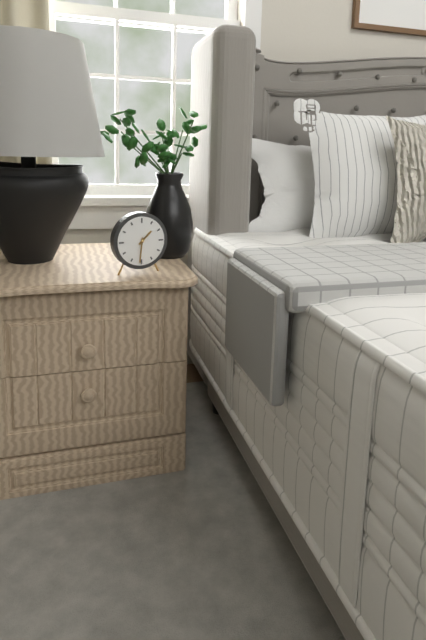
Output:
1:31
